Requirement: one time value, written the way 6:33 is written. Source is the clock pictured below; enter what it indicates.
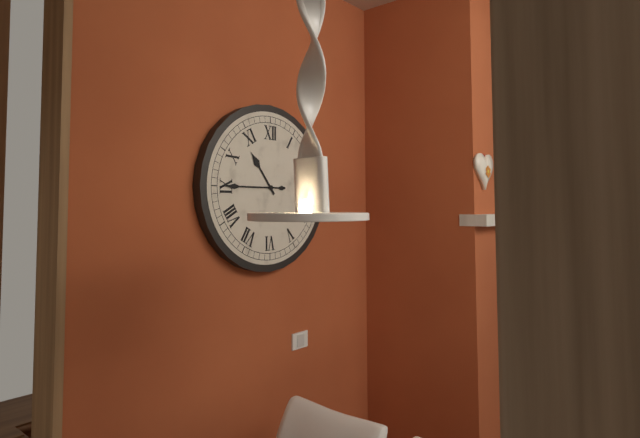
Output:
10:45
